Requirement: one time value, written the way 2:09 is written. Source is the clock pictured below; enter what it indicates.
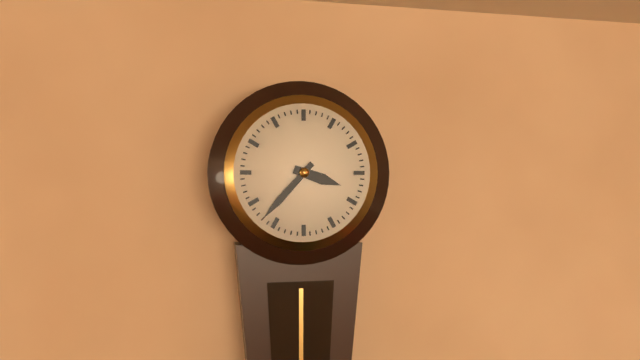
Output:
3:37
